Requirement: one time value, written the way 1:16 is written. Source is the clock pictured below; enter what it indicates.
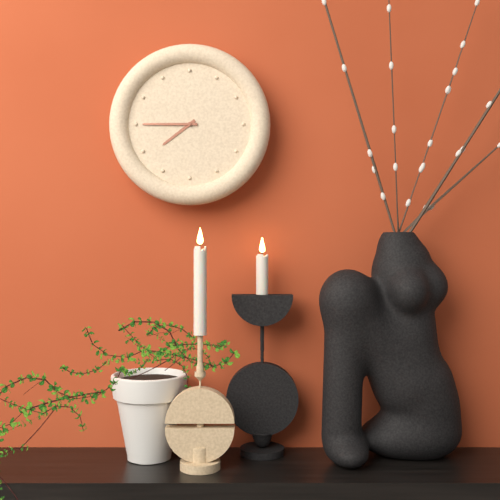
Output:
7:45
